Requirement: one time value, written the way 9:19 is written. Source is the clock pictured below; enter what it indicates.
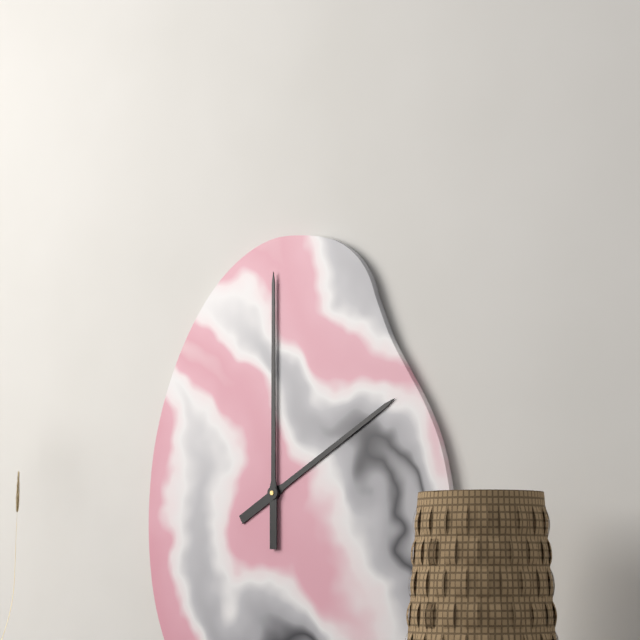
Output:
2:00
